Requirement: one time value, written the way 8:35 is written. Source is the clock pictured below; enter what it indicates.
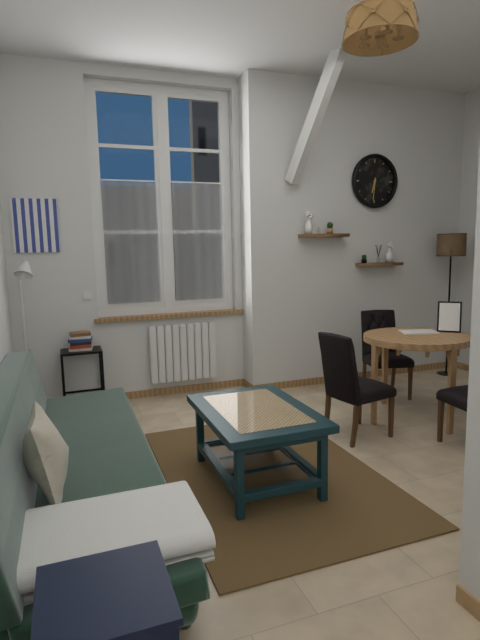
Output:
6:31
